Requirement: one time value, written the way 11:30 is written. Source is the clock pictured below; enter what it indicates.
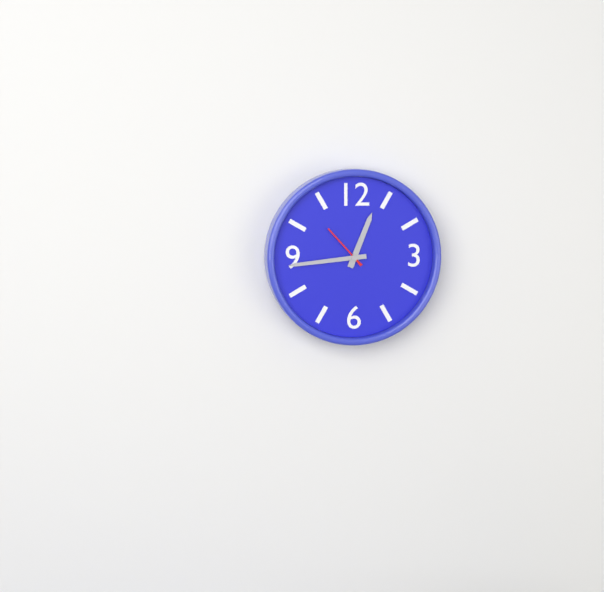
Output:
12:44
